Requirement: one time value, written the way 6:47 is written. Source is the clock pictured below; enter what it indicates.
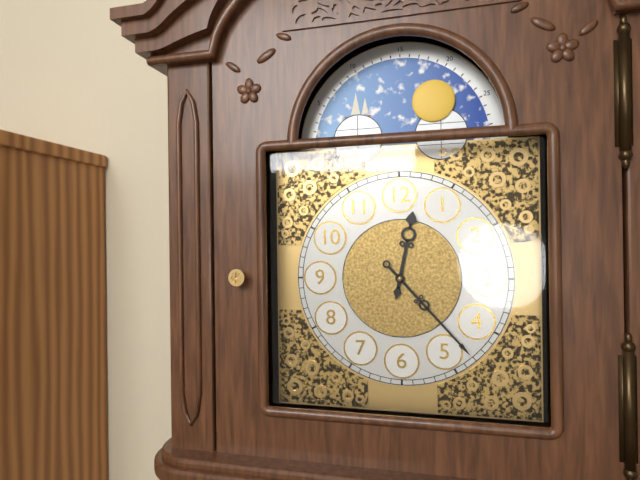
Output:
12:23
